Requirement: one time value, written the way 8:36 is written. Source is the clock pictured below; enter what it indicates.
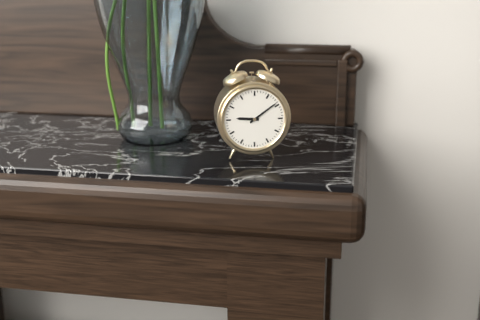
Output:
9:09
